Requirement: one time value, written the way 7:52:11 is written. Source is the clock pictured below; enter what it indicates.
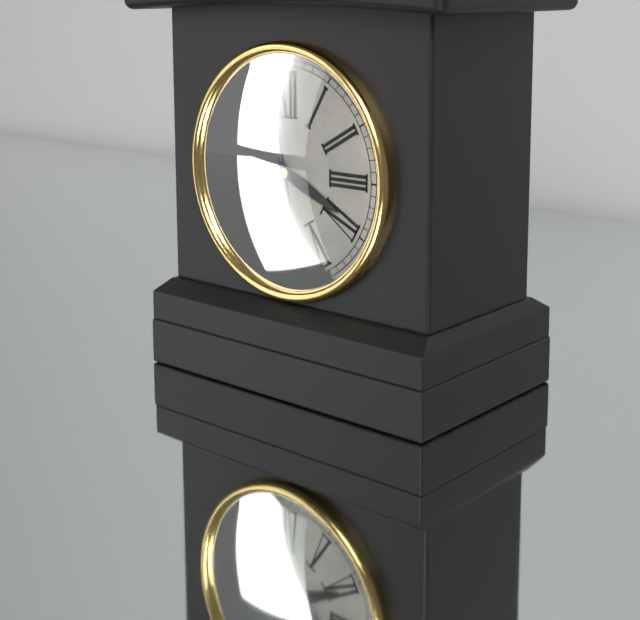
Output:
3:52:58
